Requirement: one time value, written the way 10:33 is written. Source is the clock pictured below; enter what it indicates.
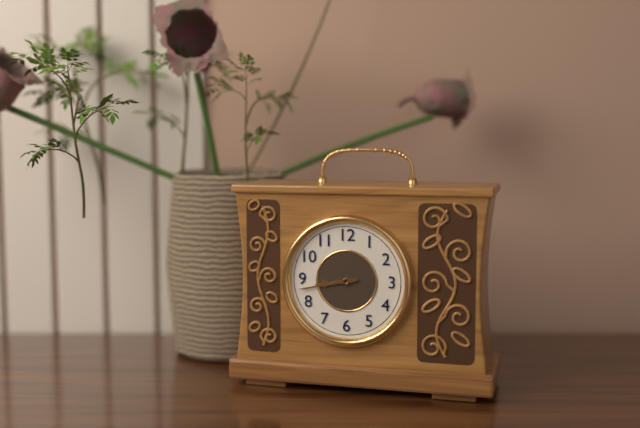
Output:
8:43
